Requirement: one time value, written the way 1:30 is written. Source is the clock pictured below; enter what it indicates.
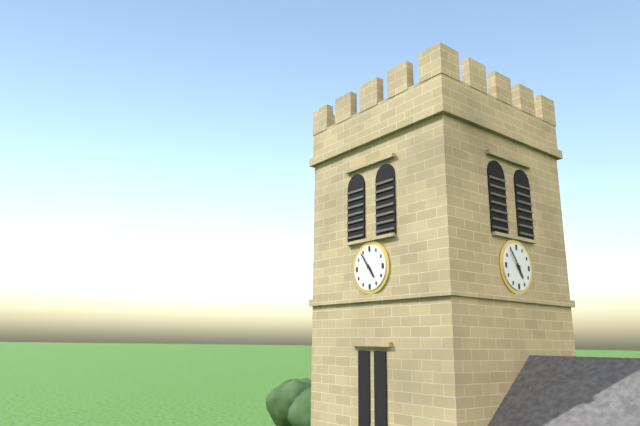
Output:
4:54
